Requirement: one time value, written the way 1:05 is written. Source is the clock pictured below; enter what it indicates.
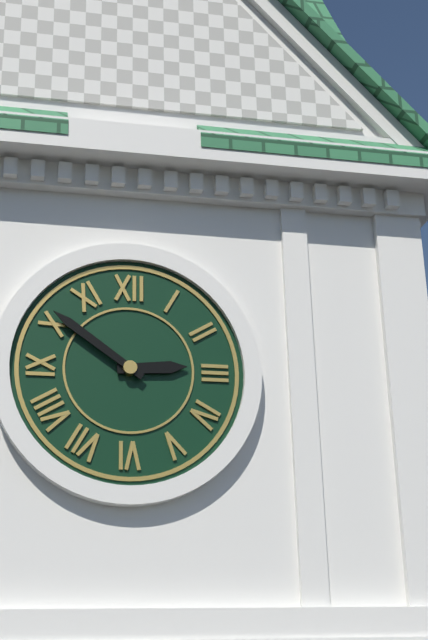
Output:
2:51
